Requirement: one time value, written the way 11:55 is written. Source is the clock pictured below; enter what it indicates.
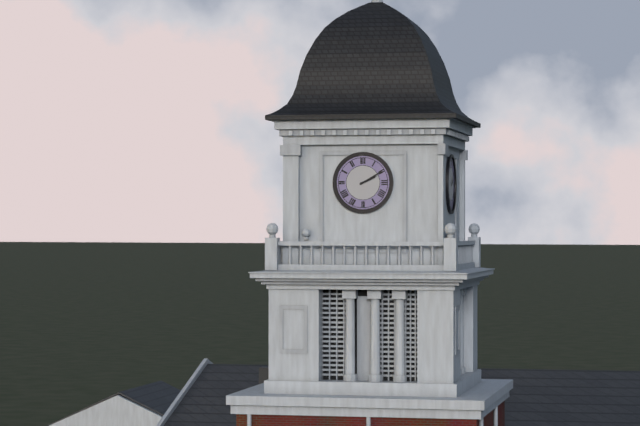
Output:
2:10
